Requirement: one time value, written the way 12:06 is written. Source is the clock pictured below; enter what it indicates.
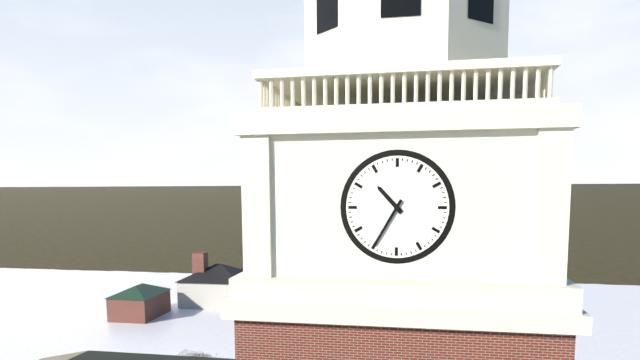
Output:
10:35
